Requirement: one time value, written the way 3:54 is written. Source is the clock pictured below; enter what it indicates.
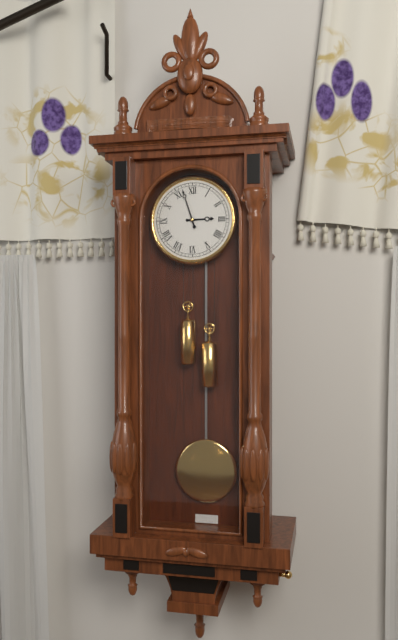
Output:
2:57
